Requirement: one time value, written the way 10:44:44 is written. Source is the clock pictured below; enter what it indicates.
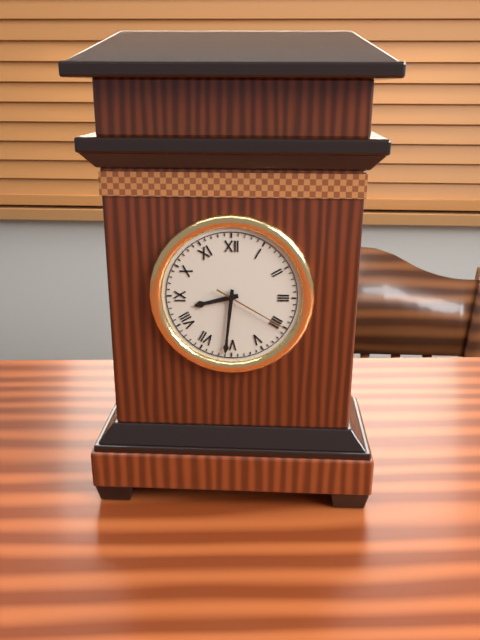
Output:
8:31:20
